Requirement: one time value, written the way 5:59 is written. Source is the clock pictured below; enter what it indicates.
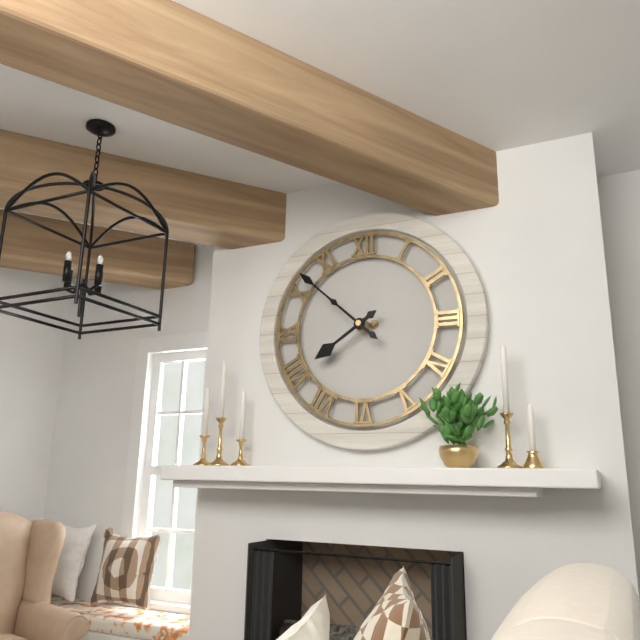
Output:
7:52
